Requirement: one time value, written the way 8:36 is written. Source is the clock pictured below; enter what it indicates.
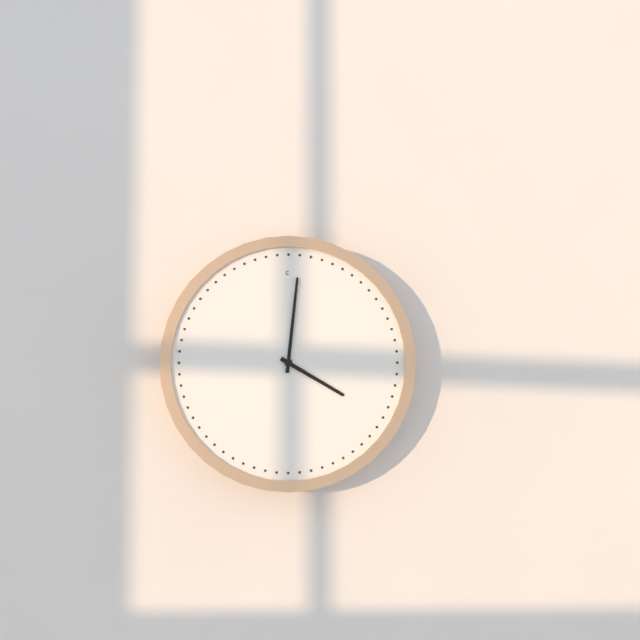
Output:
4:01
